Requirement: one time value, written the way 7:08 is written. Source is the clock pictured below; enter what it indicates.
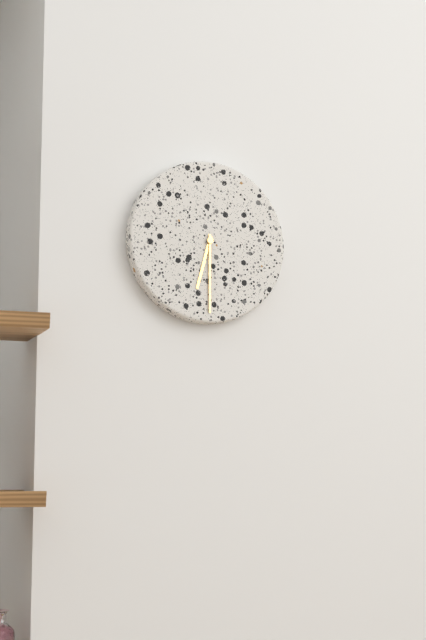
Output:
6:30
